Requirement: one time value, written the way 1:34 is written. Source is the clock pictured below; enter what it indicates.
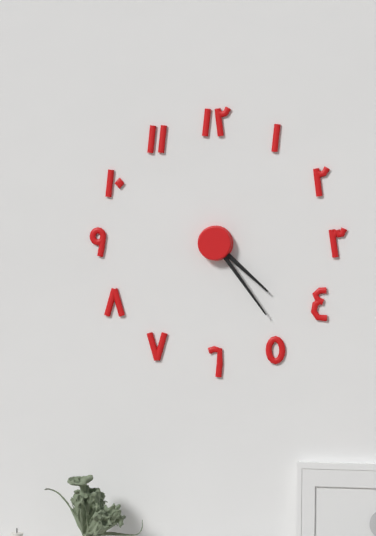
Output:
4:24
